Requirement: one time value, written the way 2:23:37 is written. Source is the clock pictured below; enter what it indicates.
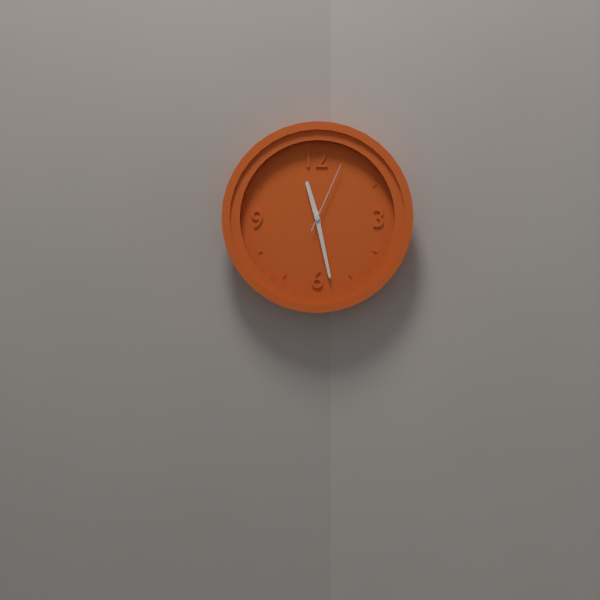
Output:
11:28:04
